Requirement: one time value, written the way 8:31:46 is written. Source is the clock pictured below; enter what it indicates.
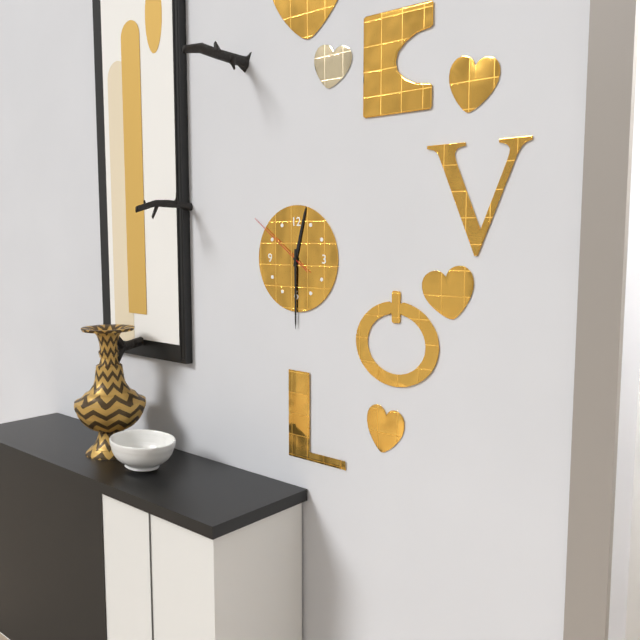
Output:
12:30:51
